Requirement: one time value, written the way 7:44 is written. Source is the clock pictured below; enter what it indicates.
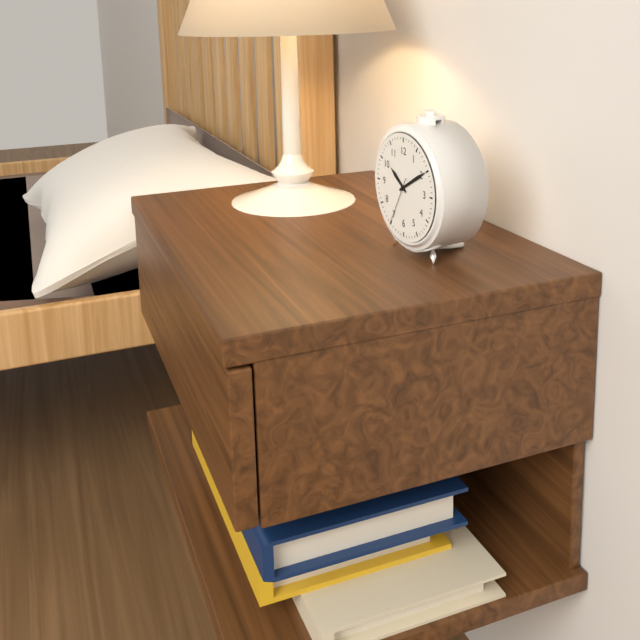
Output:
10:10
